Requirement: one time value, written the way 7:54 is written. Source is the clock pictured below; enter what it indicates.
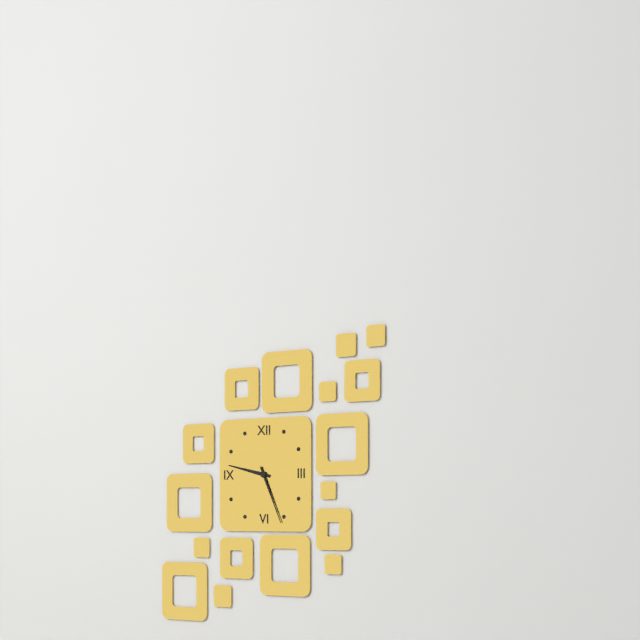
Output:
9:26
